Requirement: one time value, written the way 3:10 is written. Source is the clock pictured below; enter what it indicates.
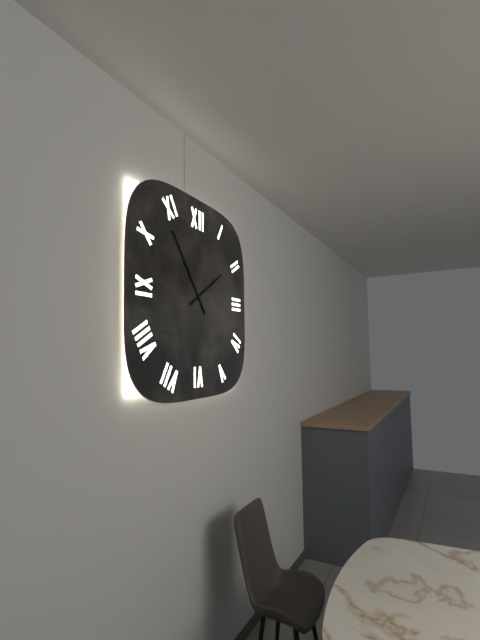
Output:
1:54
